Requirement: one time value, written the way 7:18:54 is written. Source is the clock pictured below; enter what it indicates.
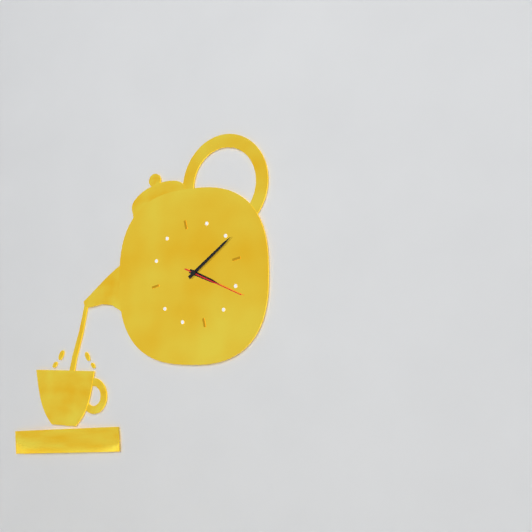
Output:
4:11:21
